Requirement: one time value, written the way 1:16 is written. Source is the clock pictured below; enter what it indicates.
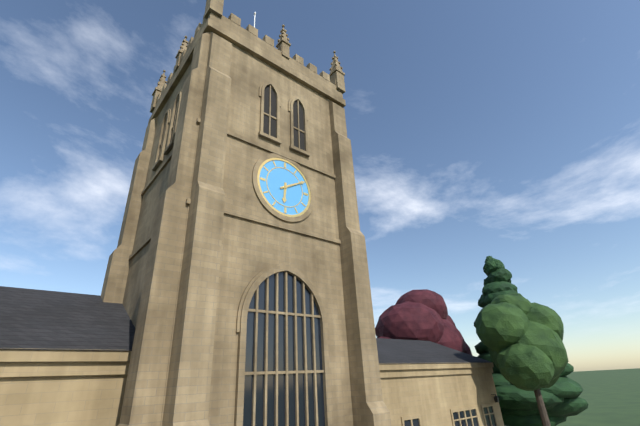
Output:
6:10
